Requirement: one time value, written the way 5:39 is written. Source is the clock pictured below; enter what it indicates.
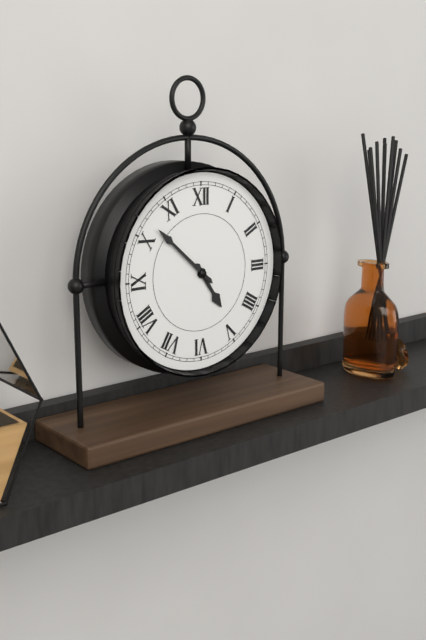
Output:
4:52
